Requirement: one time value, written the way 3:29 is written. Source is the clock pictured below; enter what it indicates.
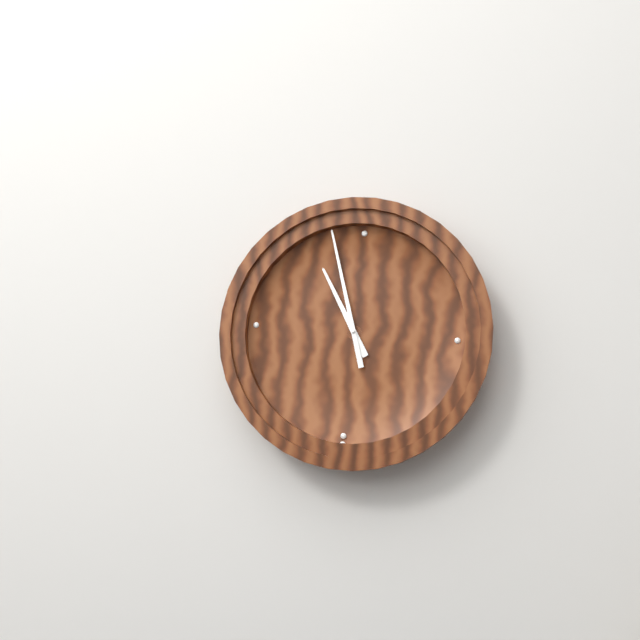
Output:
10:57
